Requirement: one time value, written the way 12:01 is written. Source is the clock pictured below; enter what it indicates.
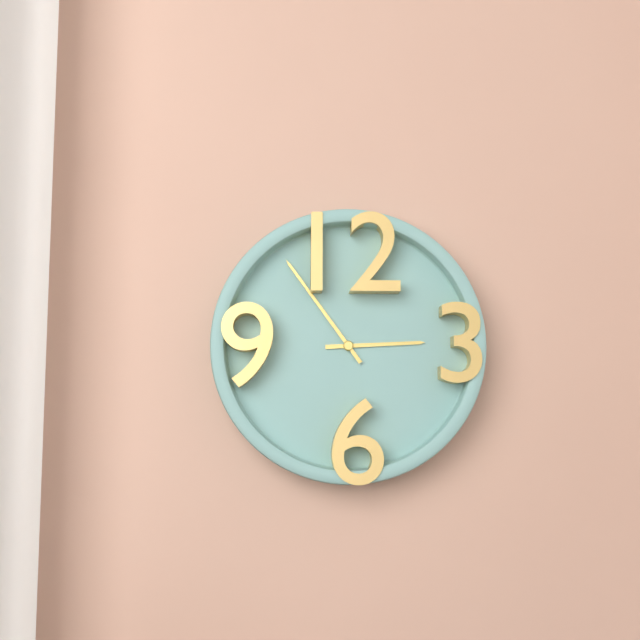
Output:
2:54
